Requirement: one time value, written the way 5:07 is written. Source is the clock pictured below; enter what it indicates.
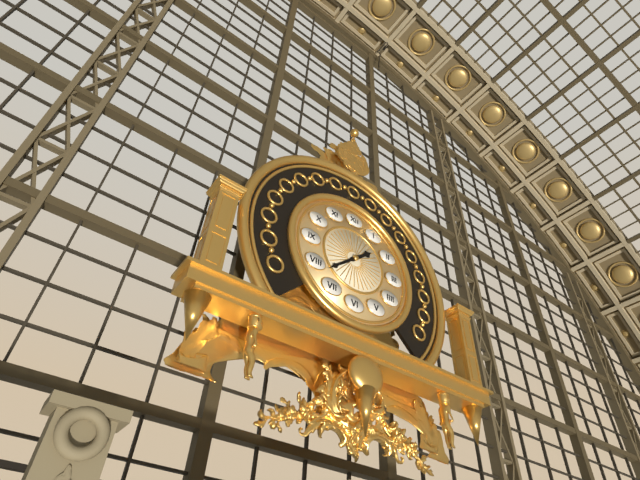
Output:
1:38
